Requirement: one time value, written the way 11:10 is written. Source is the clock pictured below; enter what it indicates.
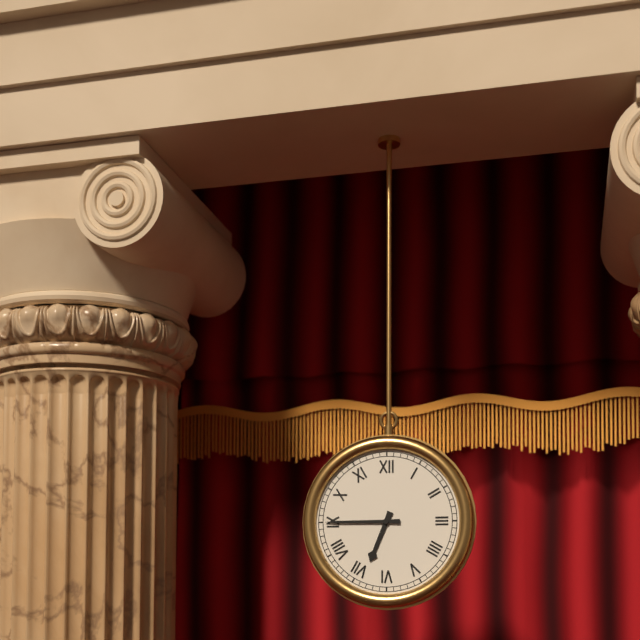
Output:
6:45
